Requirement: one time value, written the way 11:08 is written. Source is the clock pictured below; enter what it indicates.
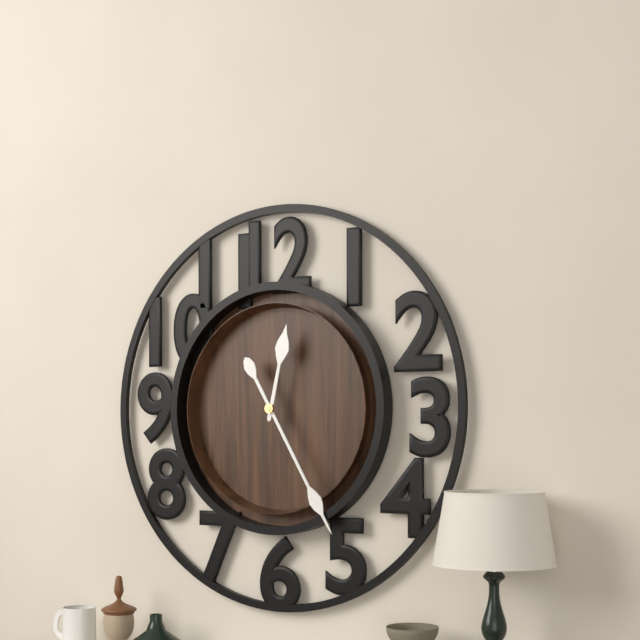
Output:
12:25
